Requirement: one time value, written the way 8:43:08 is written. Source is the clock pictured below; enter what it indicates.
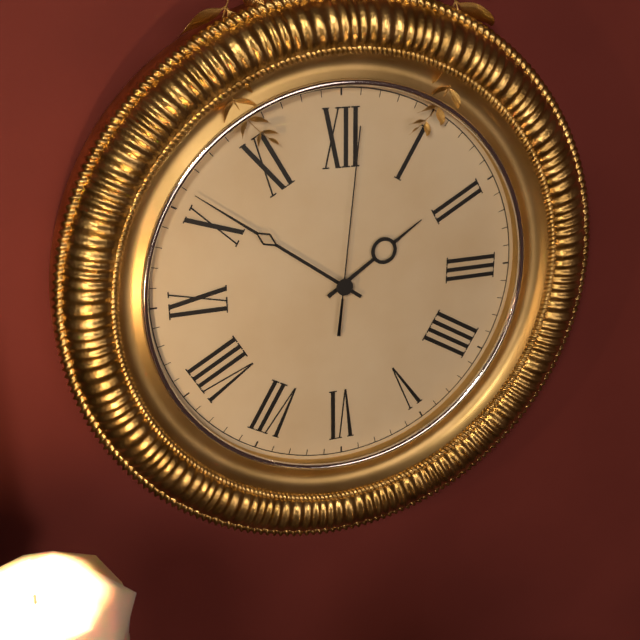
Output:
1:51:01
